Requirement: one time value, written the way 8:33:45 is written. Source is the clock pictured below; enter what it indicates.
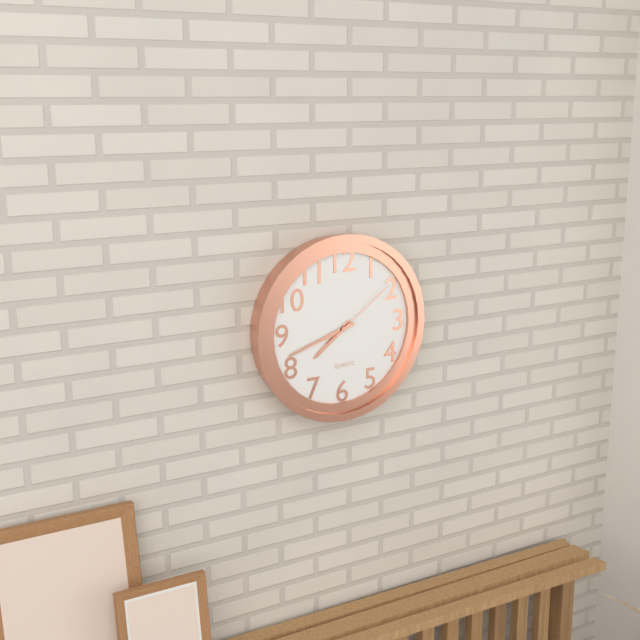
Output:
7:42:09
